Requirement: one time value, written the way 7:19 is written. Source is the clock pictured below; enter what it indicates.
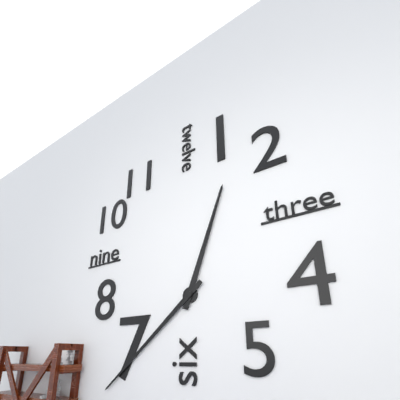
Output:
12:38
